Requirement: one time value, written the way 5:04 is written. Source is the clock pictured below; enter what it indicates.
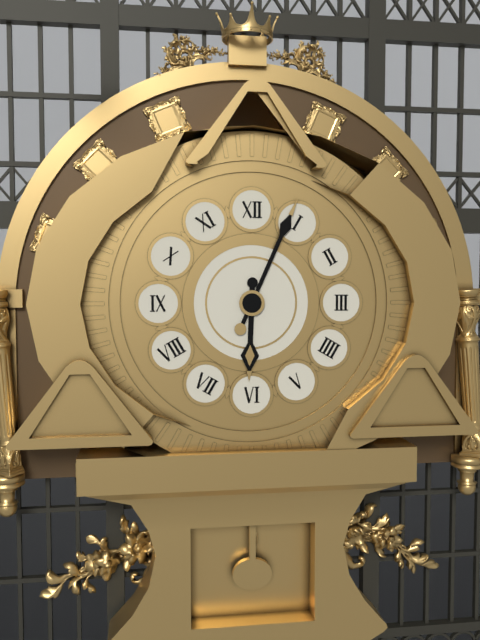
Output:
6:04
